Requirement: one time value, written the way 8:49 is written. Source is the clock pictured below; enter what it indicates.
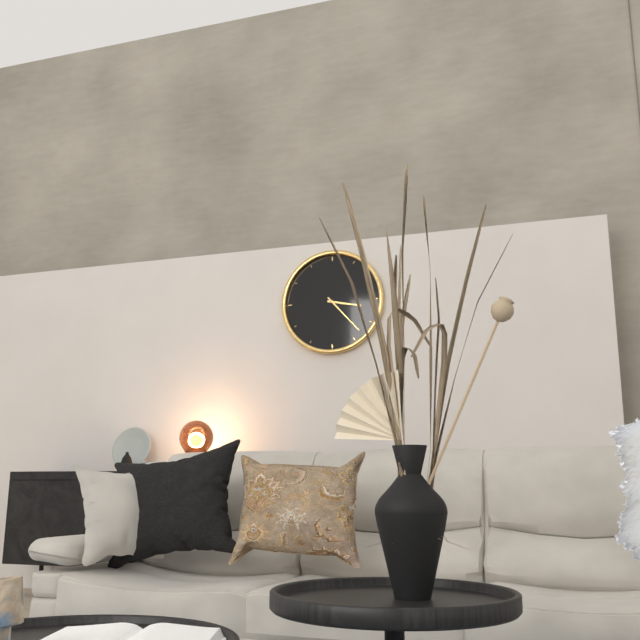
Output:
3:23
